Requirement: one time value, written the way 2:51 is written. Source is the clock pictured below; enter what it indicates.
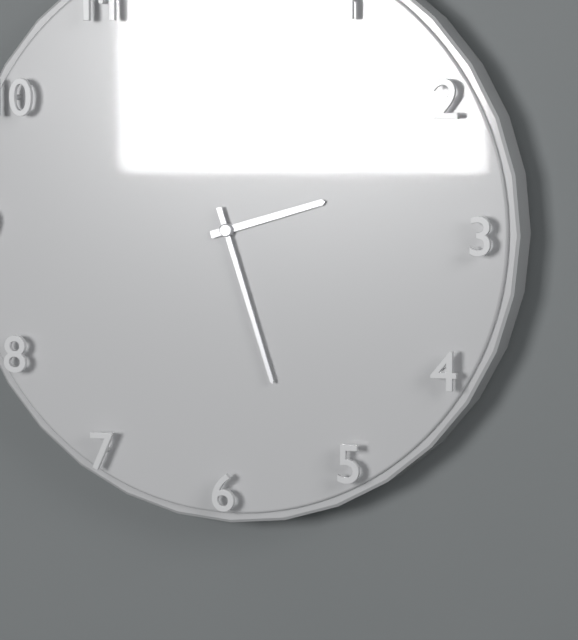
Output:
2:27
